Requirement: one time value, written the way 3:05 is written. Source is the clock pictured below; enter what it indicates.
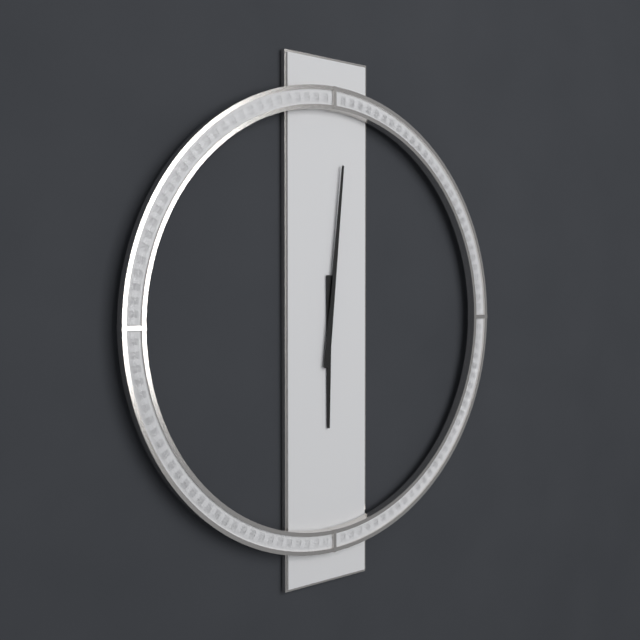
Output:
6:01
